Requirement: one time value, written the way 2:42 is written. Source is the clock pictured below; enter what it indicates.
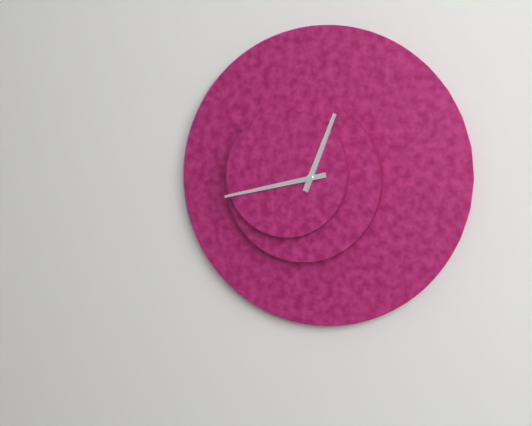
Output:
12:43
